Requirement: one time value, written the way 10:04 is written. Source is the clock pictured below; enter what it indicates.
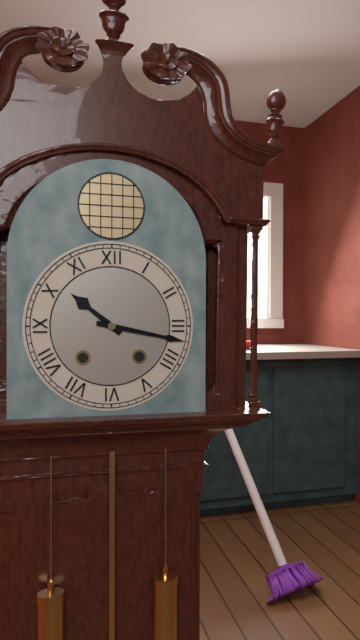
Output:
10:17
